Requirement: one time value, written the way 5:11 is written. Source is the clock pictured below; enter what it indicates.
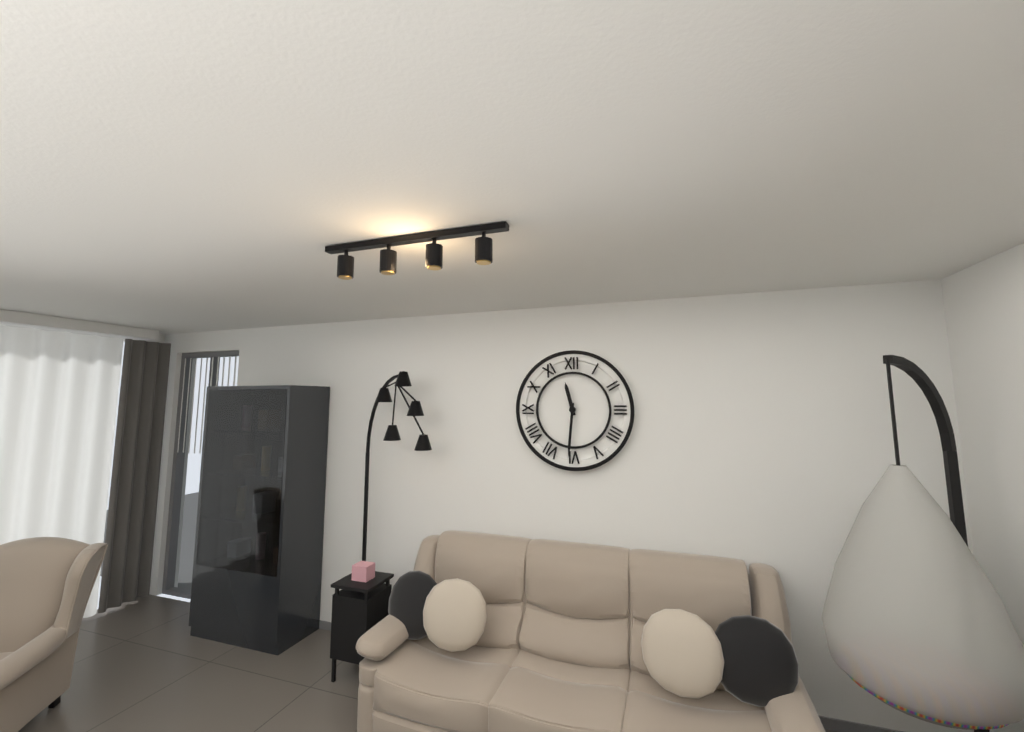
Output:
11:31
